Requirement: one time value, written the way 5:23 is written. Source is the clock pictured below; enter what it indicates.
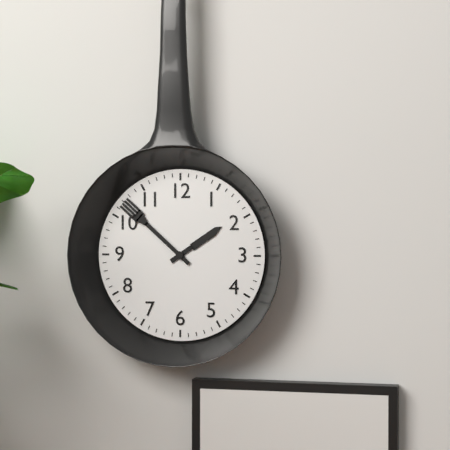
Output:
1:52
